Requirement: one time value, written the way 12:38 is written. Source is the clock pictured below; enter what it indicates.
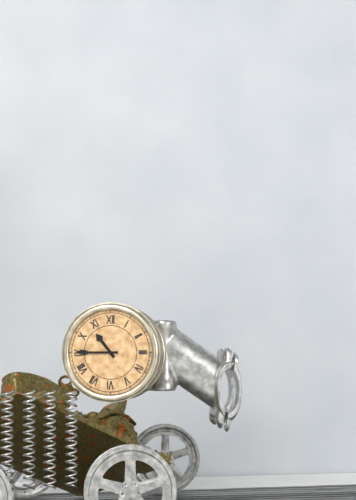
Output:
10:45
